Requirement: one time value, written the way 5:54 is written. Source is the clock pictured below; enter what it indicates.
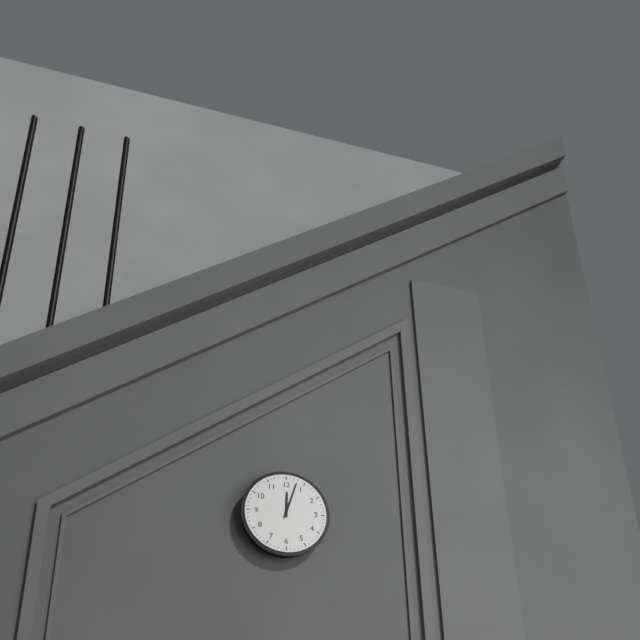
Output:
12:03
